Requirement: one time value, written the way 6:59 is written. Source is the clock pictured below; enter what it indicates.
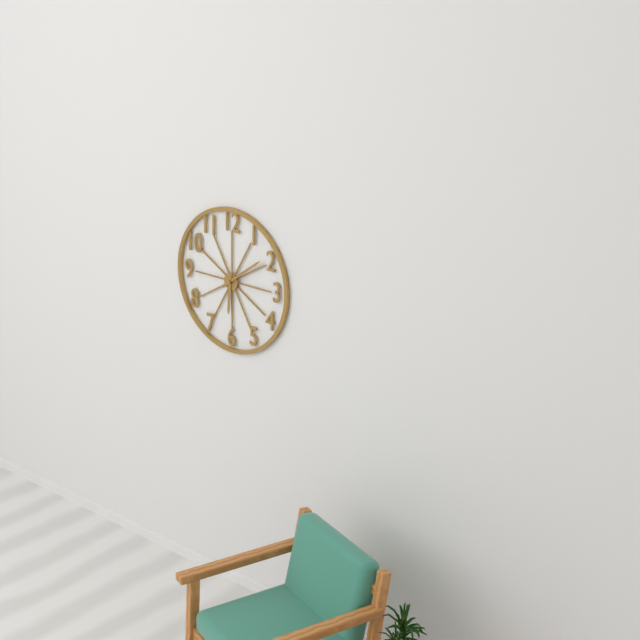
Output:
6:09
